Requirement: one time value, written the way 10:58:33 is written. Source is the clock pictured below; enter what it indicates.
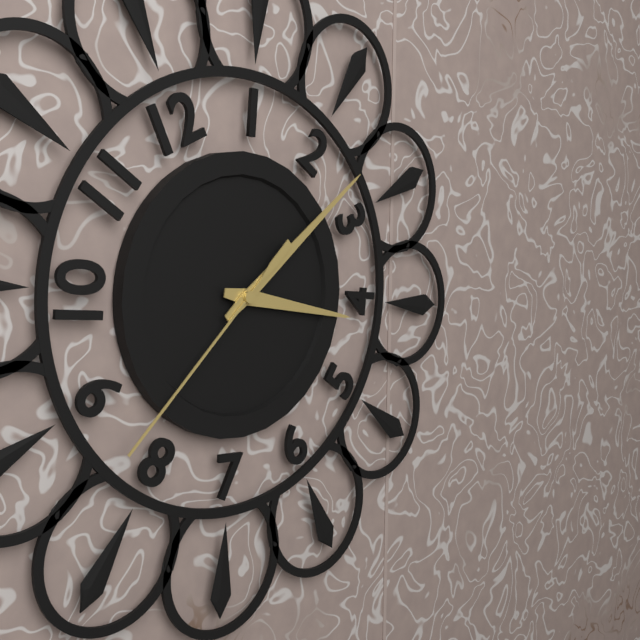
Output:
4:13:42
